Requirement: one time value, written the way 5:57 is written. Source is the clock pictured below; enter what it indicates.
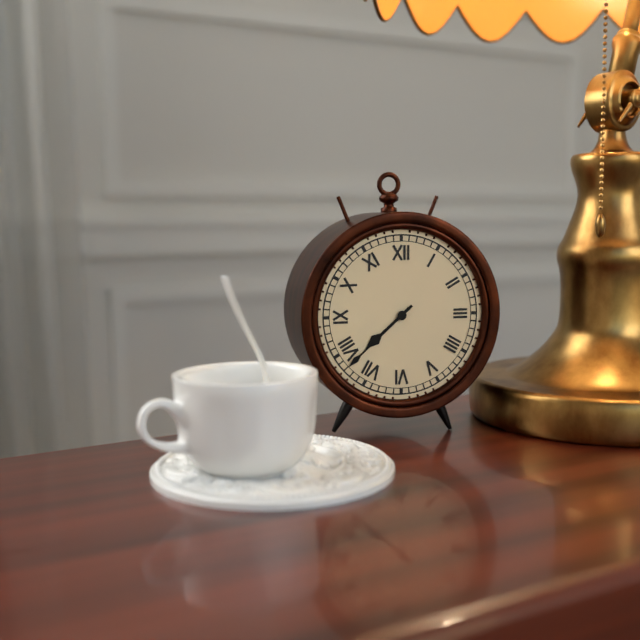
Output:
7:38
